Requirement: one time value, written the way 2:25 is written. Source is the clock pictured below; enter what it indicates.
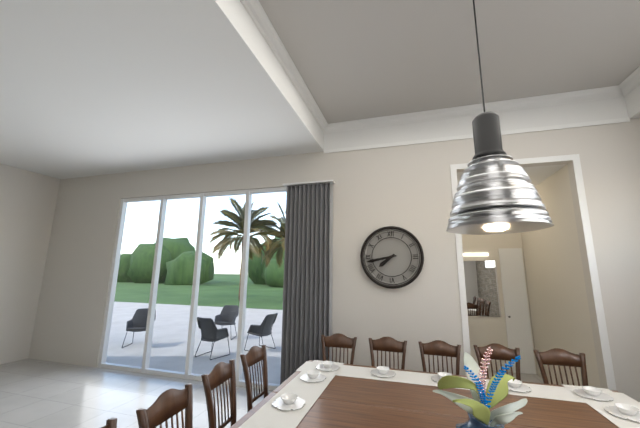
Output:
7:43
